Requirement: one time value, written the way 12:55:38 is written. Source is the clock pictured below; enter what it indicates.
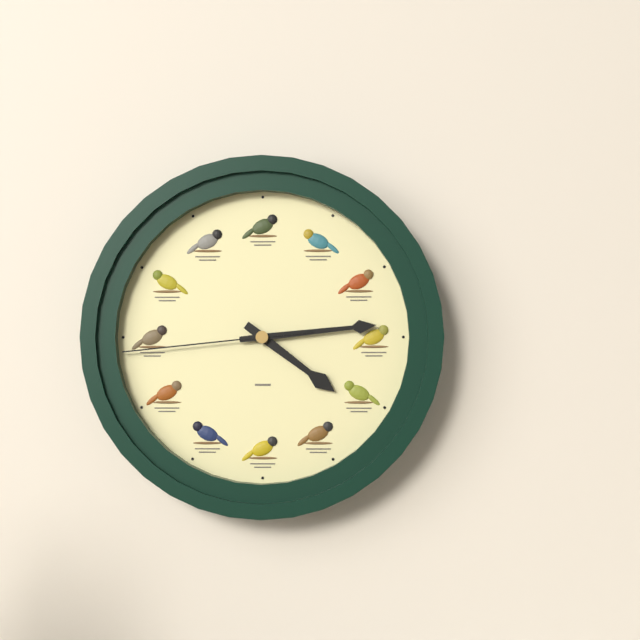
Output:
4:14:44
